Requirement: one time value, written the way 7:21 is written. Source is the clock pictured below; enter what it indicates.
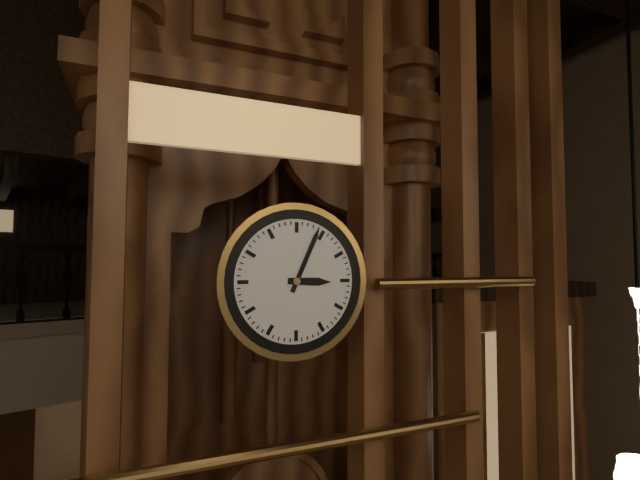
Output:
3:04
